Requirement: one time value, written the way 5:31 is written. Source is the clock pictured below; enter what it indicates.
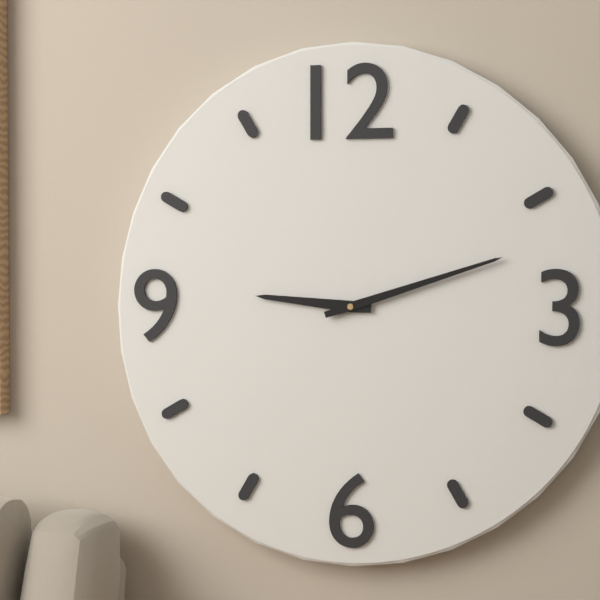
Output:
9:12
